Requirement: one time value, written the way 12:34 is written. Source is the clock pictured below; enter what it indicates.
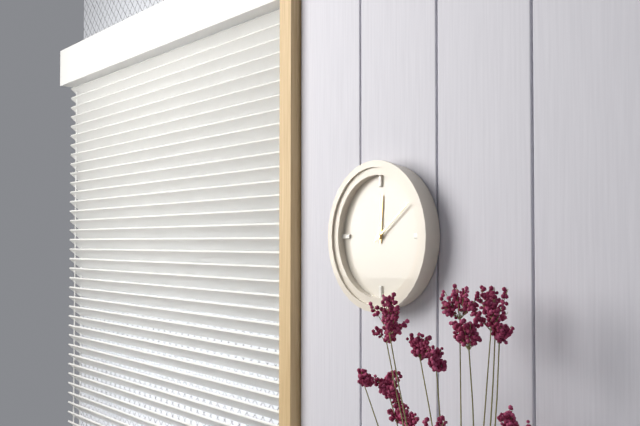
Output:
12:09
